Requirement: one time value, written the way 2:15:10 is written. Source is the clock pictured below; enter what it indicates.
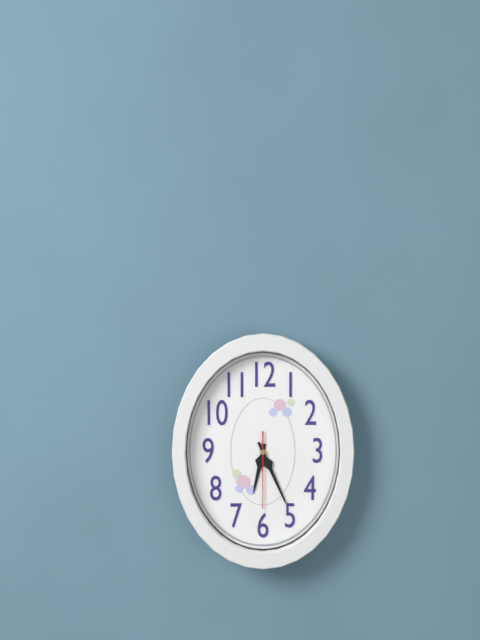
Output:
6:26:30
